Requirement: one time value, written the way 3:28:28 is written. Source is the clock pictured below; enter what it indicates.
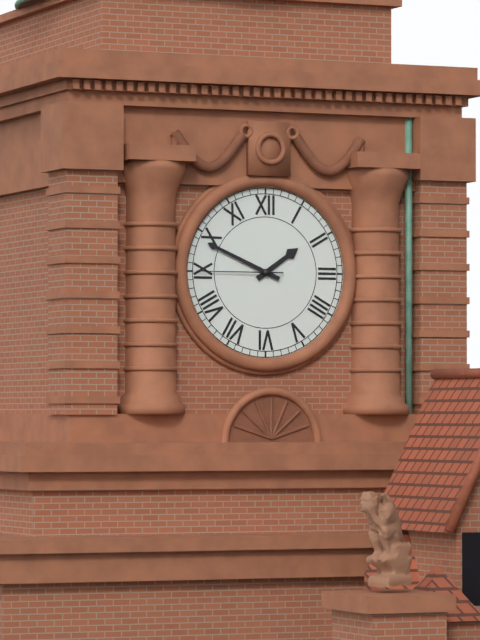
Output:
1:49:45
